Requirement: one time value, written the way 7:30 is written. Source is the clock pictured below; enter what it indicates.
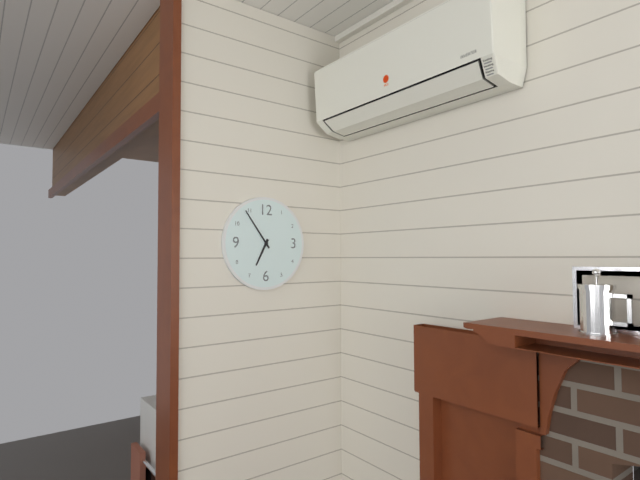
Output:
6:54
